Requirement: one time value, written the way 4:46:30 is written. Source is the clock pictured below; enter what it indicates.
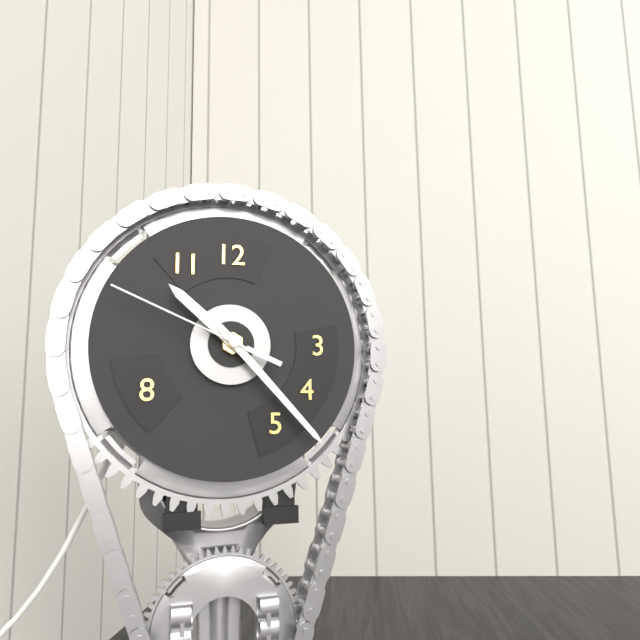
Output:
10:23:49
